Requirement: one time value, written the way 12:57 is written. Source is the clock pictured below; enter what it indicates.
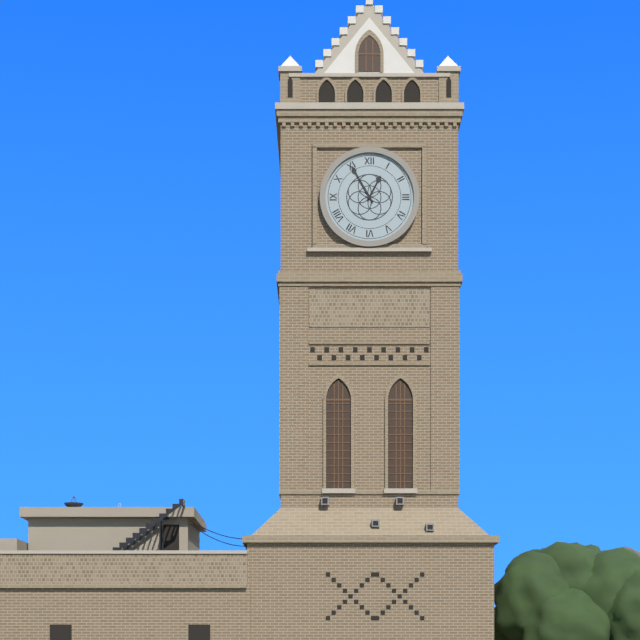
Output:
12:55
